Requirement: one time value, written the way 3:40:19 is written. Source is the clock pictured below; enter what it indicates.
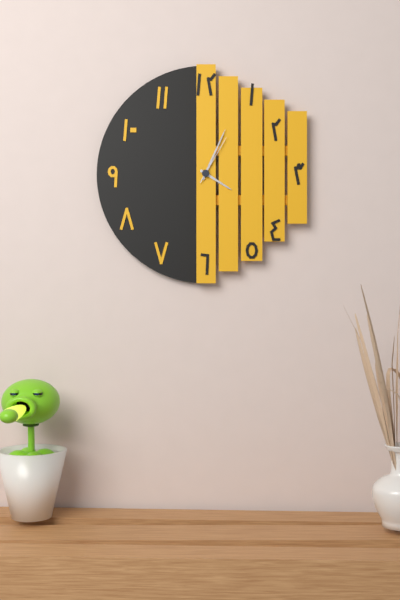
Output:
4:04:05
